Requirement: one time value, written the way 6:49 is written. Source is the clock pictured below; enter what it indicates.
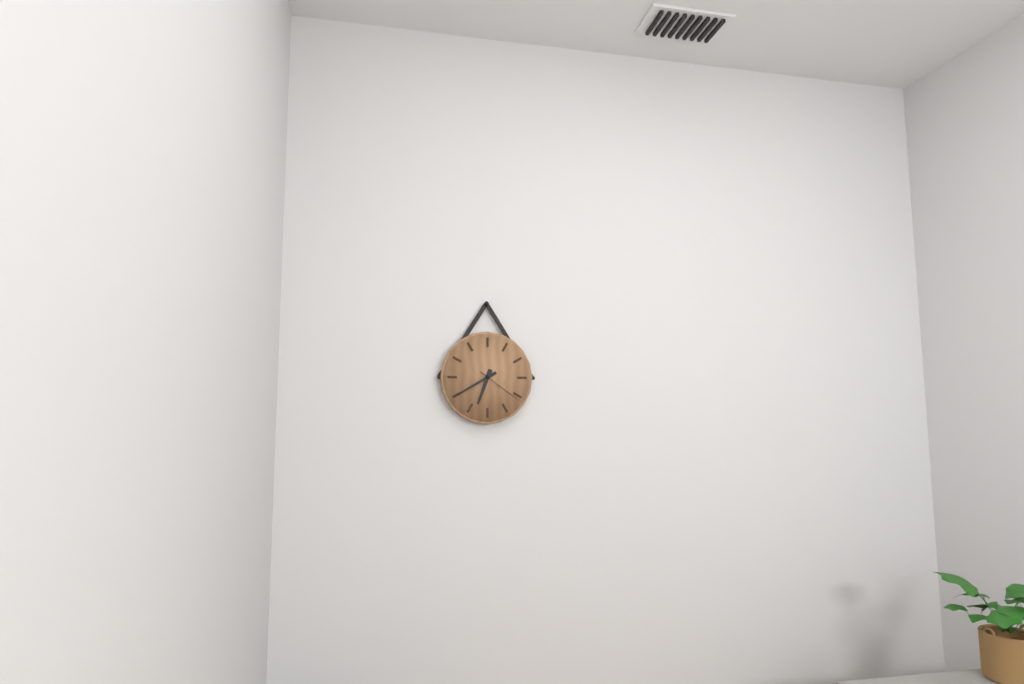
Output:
6:40
